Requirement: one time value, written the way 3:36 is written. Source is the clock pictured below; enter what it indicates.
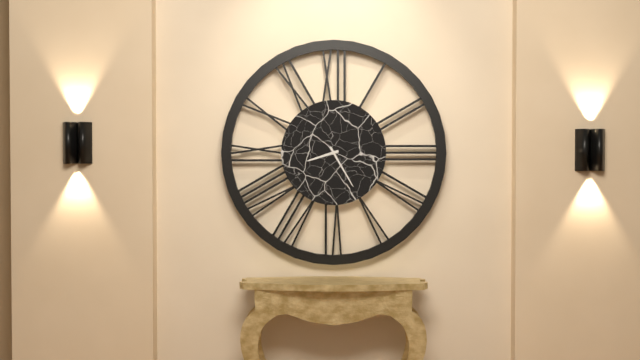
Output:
8:25
